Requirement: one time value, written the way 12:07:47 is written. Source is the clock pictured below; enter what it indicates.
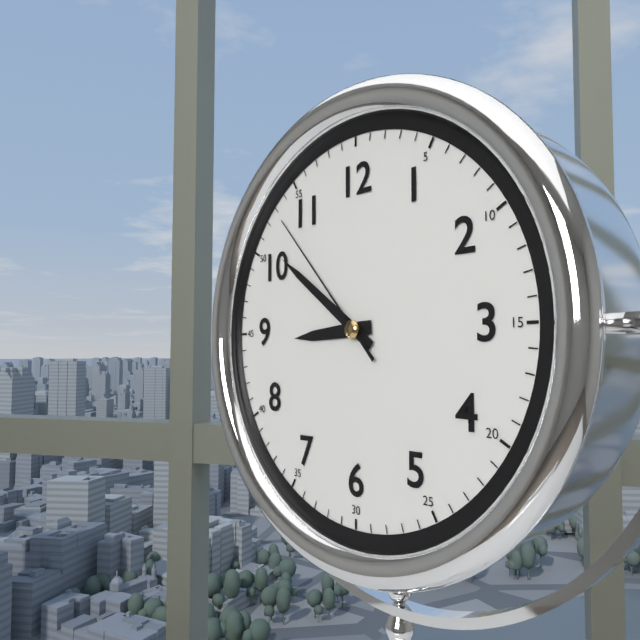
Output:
8:51:53
